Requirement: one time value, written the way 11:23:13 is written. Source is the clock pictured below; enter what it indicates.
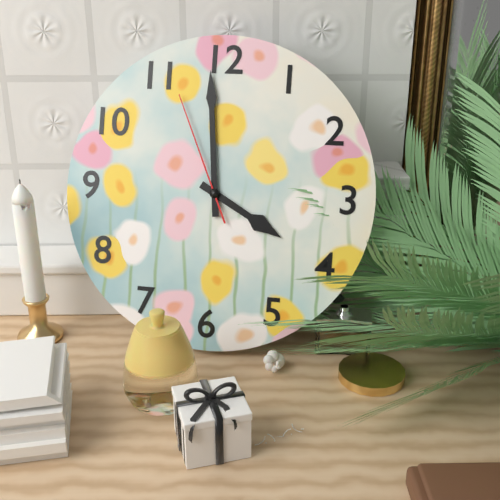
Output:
3:59:56
